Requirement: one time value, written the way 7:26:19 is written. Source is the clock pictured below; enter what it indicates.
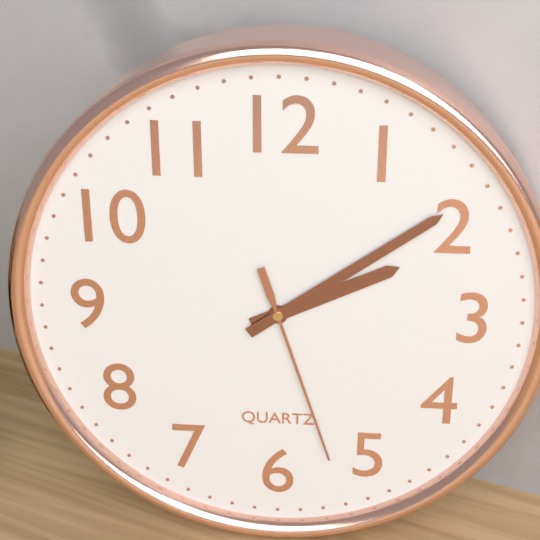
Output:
2:09:27
